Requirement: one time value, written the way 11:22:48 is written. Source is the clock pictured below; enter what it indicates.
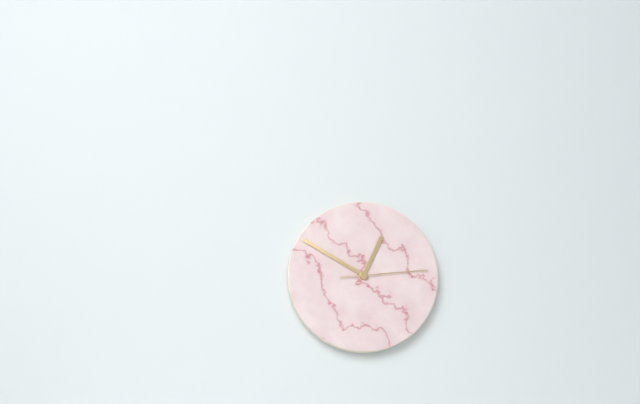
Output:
12:50:14
